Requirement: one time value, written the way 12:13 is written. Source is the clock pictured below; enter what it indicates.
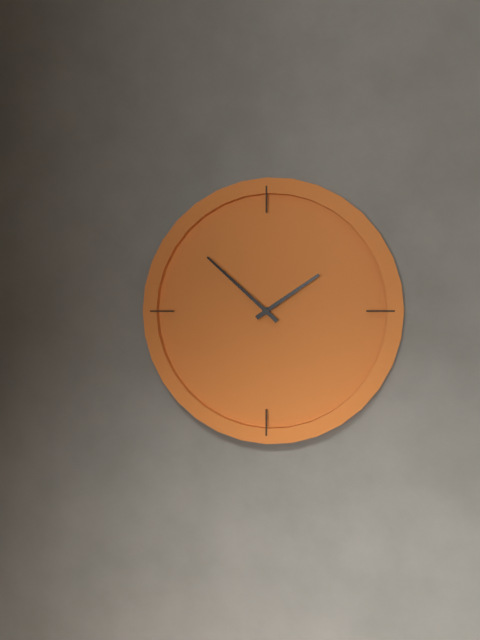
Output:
1:52
